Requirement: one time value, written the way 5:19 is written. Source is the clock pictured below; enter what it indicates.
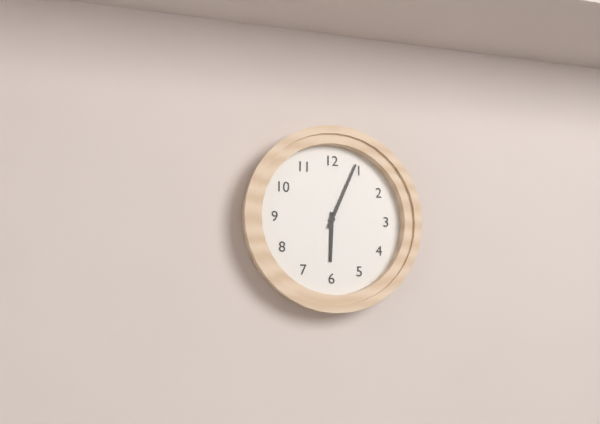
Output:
6:04
